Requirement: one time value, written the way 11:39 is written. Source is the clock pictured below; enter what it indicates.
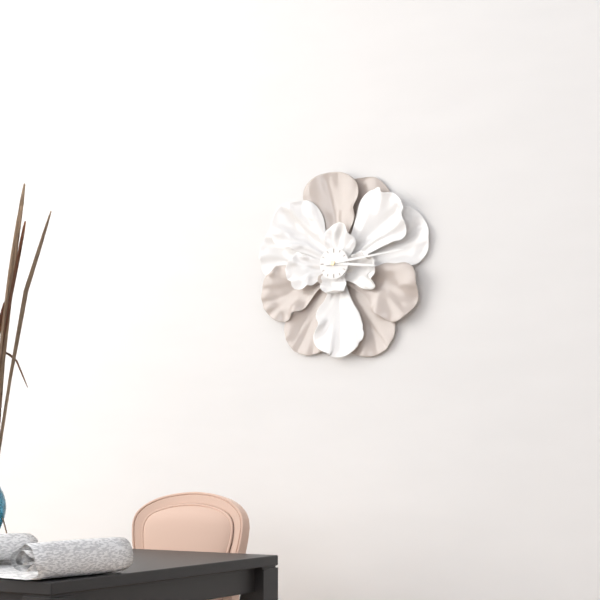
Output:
3:14
